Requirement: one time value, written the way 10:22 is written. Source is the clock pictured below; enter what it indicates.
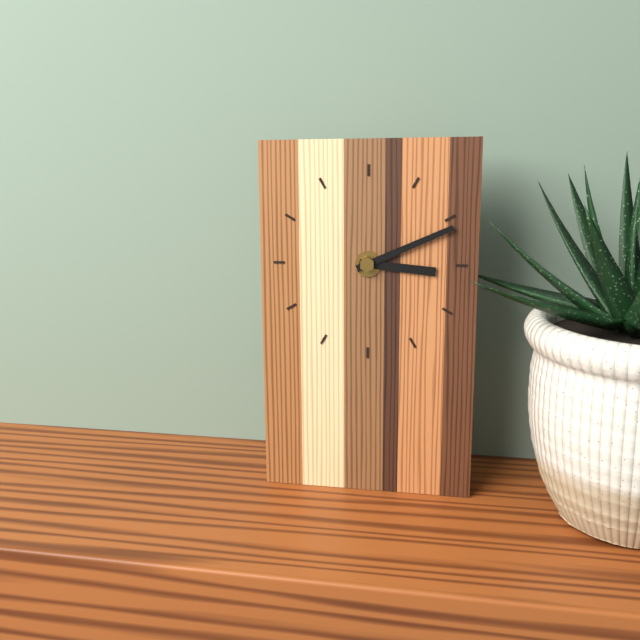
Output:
3:11
